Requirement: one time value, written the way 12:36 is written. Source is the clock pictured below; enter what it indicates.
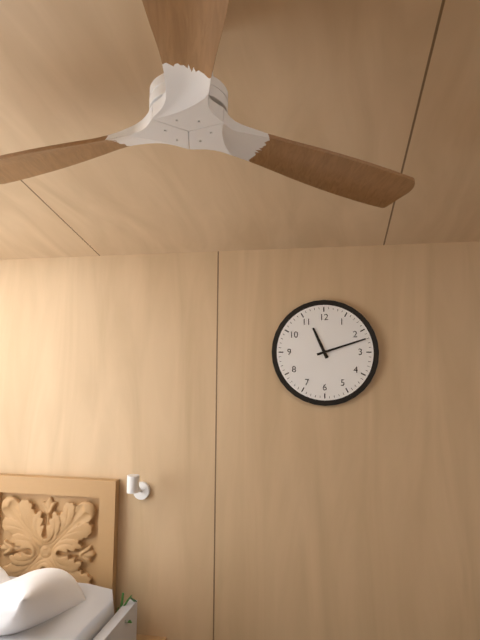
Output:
11:12
